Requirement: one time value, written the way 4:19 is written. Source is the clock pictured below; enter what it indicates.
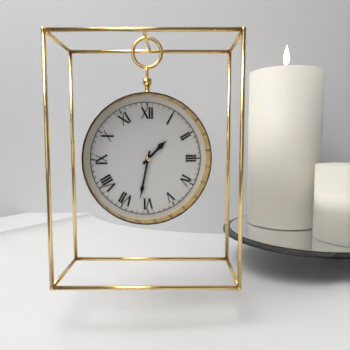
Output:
1:32
